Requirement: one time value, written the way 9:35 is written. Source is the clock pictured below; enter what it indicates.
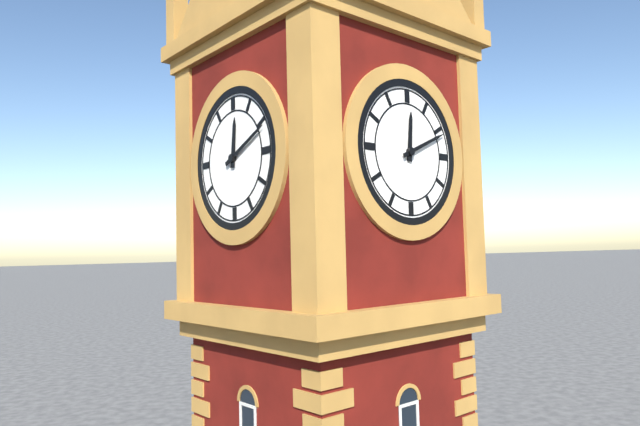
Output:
12:11
